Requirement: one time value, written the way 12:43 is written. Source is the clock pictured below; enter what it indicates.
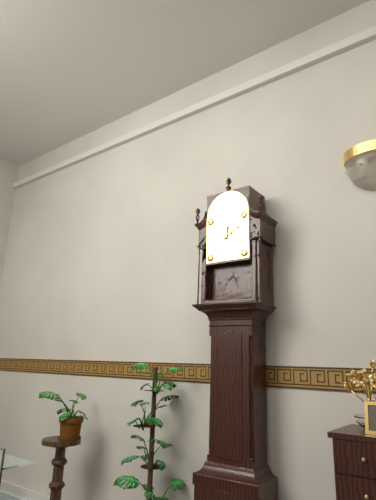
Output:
12:10
